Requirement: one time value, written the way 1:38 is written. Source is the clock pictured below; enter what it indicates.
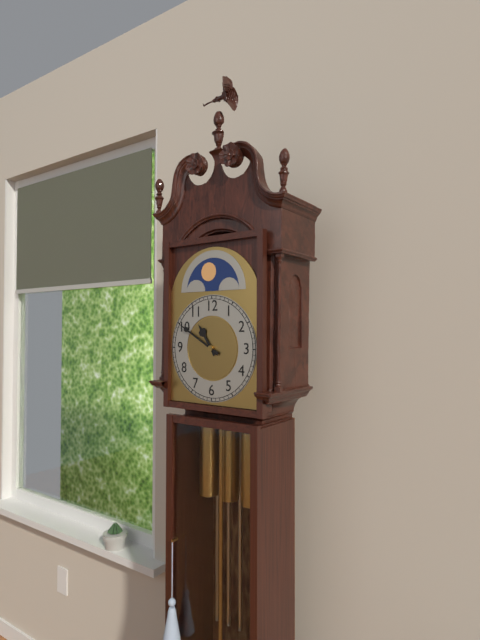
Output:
10:50
